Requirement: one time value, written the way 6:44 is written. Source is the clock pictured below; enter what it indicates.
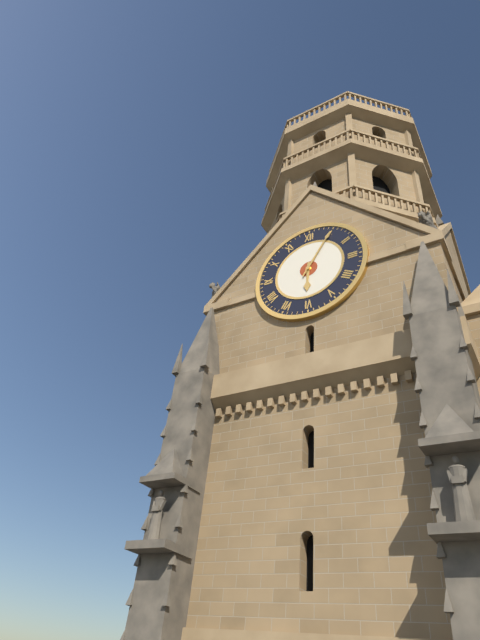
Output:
6:05
